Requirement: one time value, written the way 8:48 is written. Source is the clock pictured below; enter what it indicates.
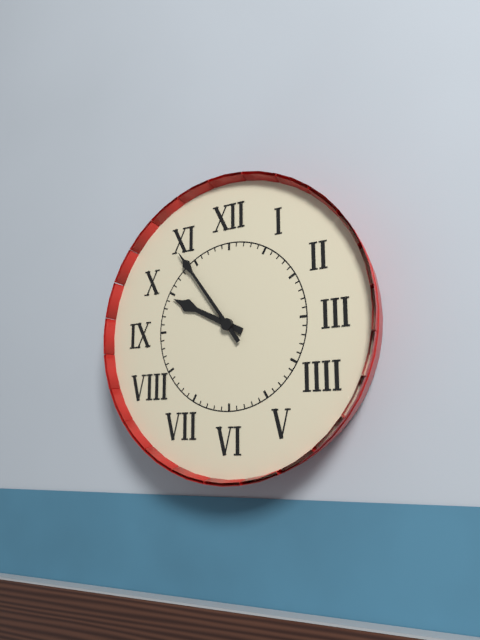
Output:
9:54
